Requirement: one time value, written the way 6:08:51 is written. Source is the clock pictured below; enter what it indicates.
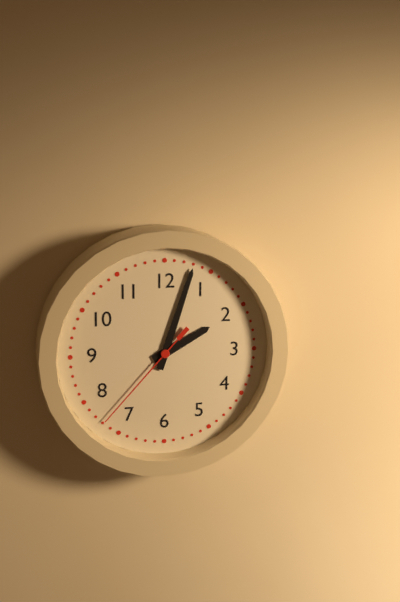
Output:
2:03:37
